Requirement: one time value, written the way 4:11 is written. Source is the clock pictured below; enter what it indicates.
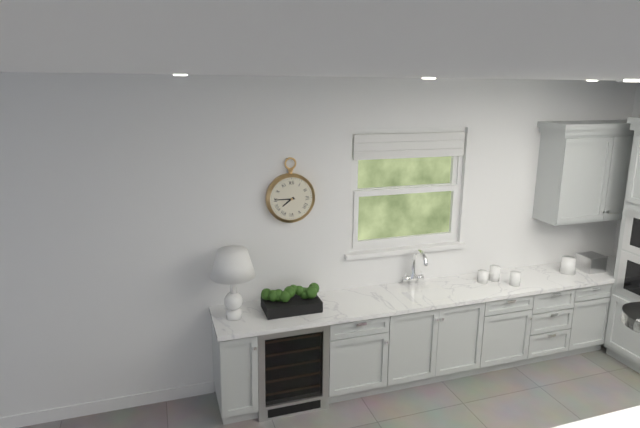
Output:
7:45
